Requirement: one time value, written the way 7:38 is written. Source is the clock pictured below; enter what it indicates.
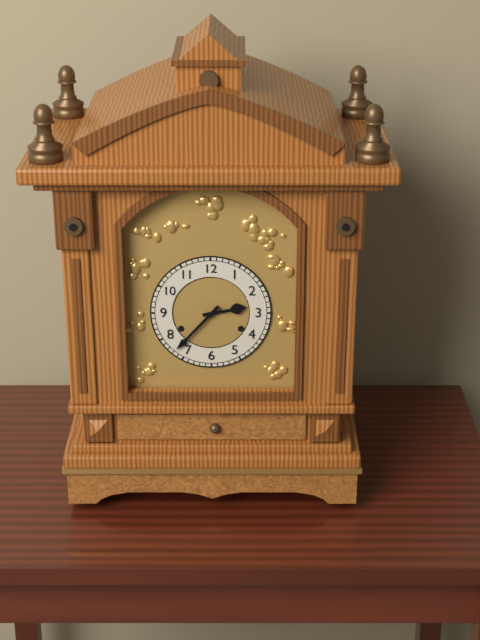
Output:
2:37
